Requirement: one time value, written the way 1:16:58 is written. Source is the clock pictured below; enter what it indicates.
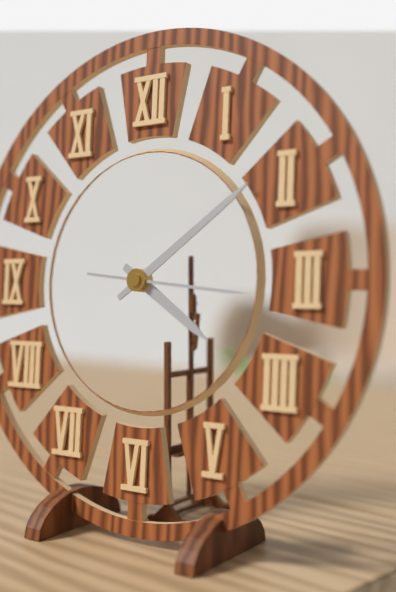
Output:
4:09:16
